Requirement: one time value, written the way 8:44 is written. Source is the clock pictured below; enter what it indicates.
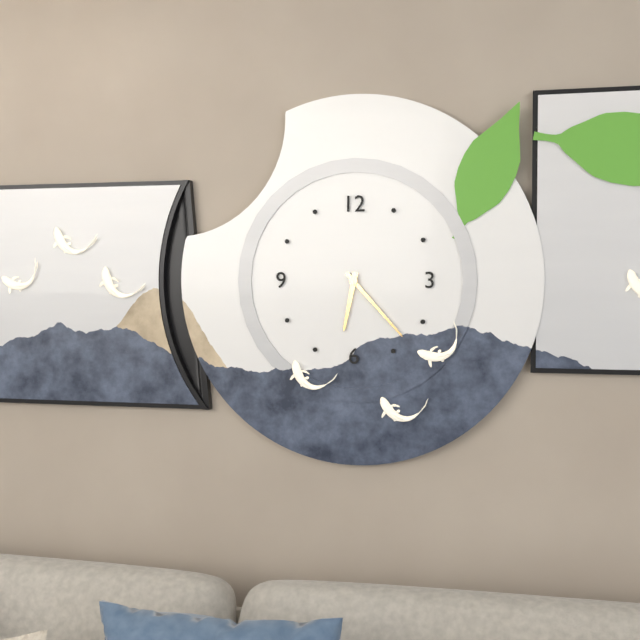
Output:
6:23
